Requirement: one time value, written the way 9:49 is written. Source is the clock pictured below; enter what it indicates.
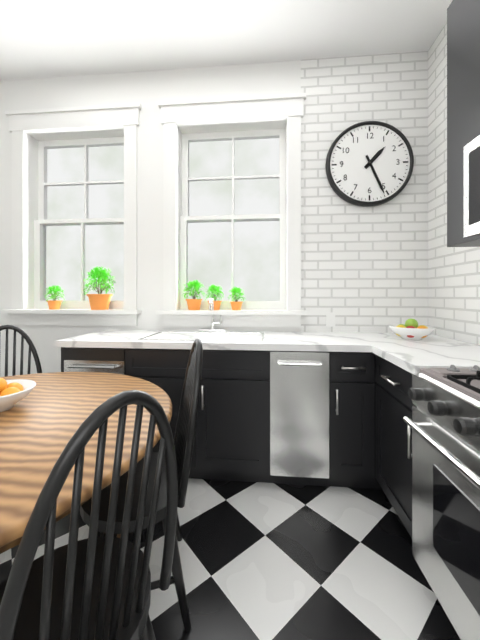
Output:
1:26
